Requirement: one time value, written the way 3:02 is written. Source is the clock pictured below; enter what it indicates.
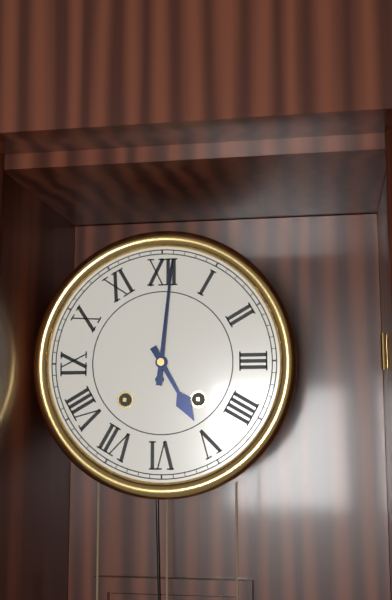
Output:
5:01
